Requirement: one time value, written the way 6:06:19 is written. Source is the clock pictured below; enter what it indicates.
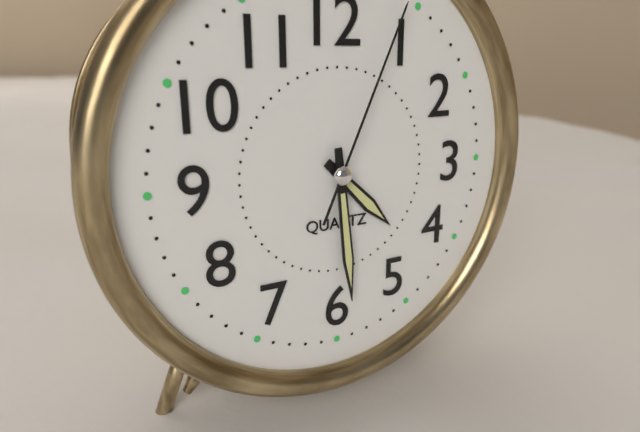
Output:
4:29:04
